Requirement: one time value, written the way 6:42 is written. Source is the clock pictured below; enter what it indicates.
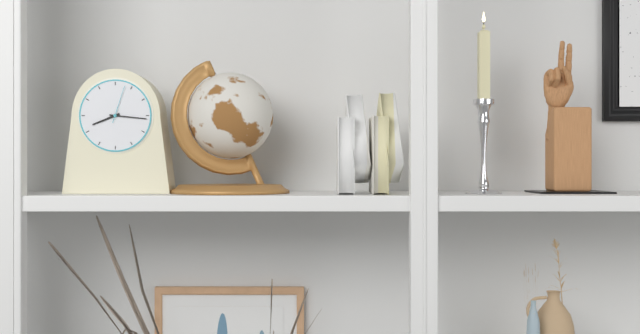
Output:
8:16
